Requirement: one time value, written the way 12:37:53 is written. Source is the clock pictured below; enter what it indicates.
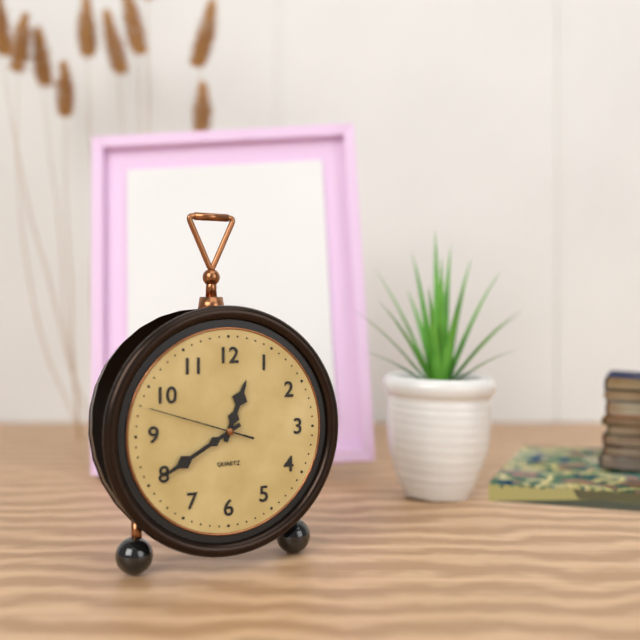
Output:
12:40:48
